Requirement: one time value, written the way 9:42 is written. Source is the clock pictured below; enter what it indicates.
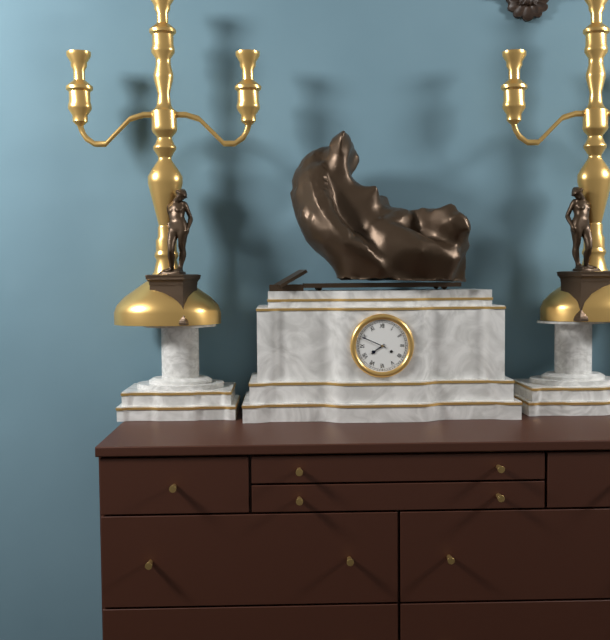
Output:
7:49
